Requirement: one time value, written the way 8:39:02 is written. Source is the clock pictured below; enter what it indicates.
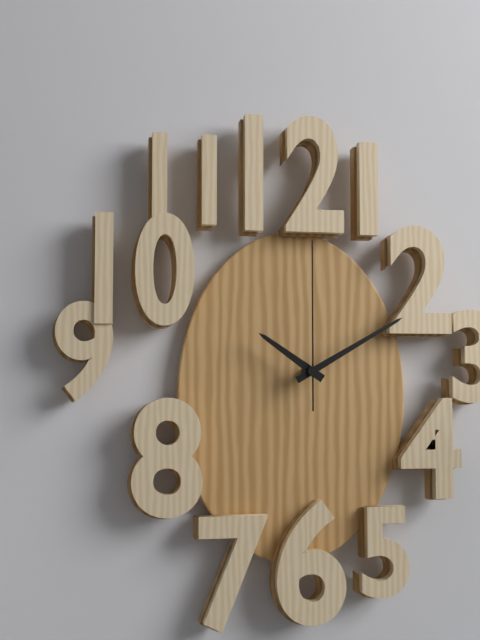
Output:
10:10:00
